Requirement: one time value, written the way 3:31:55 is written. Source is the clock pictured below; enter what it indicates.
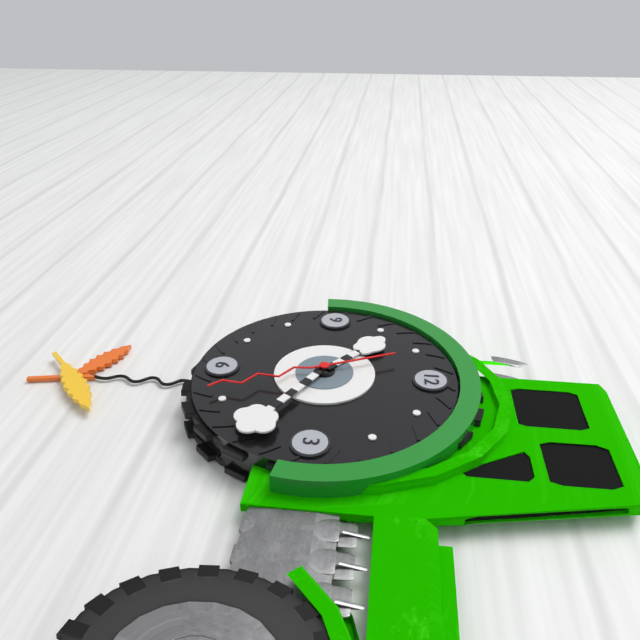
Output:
10:20:26
